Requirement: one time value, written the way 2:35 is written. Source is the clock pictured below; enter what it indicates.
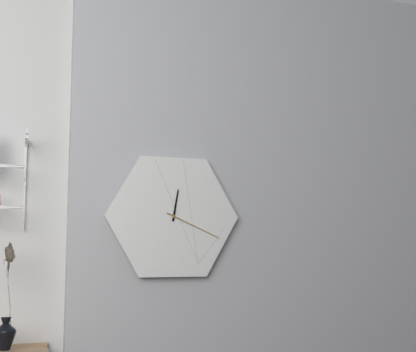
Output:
12:19
